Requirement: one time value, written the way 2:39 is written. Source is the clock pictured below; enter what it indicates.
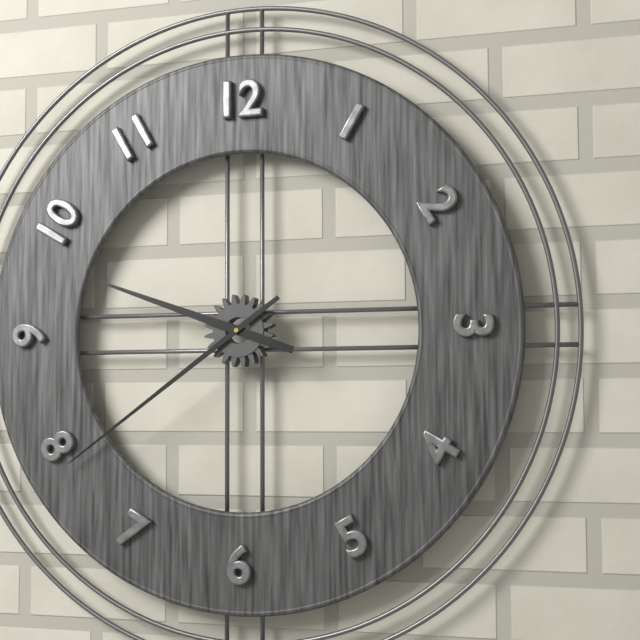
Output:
9:39
